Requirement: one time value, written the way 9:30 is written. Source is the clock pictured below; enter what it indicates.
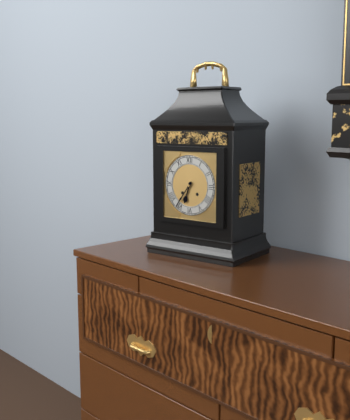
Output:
6:36
